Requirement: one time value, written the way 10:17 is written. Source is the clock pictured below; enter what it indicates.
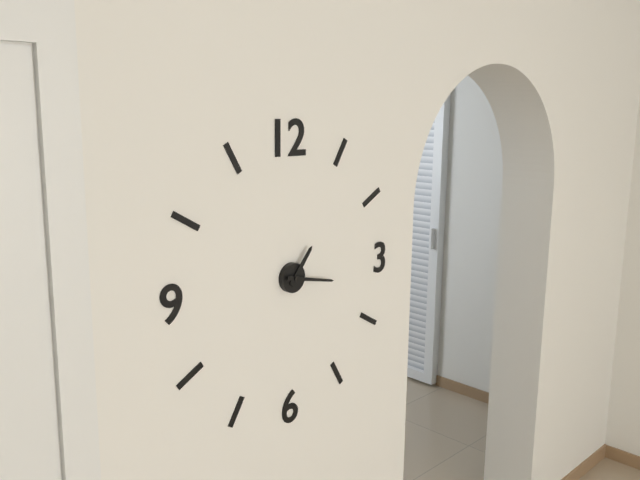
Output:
1:17
